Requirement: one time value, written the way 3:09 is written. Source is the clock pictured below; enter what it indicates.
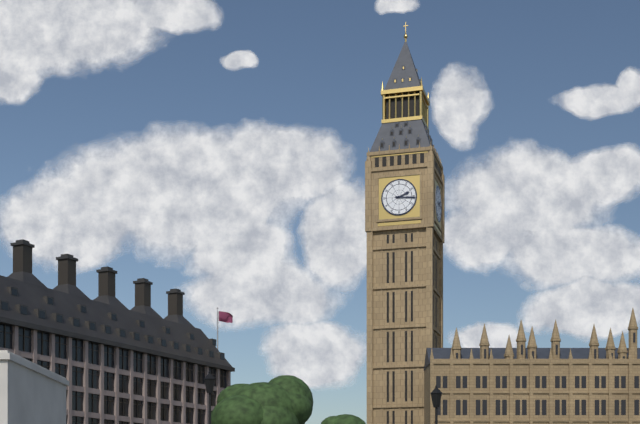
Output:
2:16
